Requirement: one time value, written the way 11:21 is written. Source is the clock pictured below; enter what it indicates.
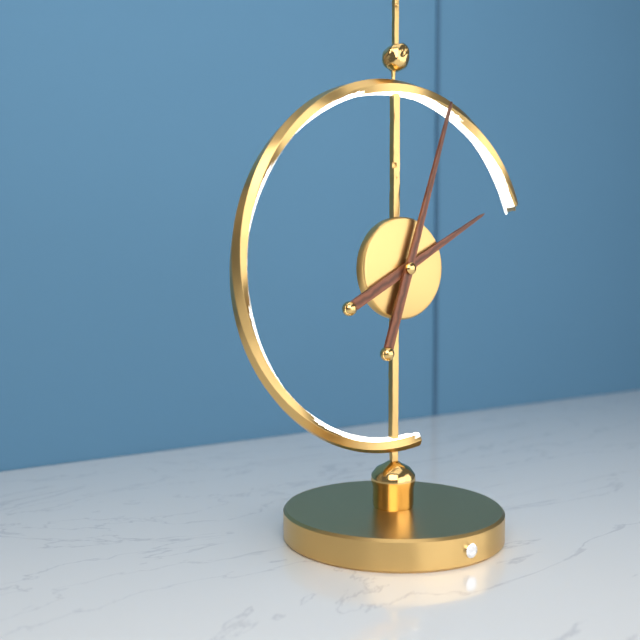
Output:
2:03
